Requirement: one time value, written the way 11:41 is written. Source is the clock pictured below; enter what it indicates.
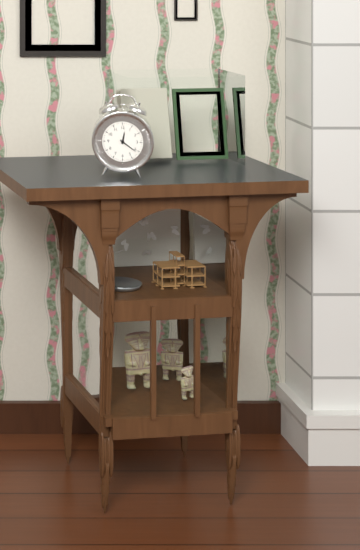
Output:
12:21
